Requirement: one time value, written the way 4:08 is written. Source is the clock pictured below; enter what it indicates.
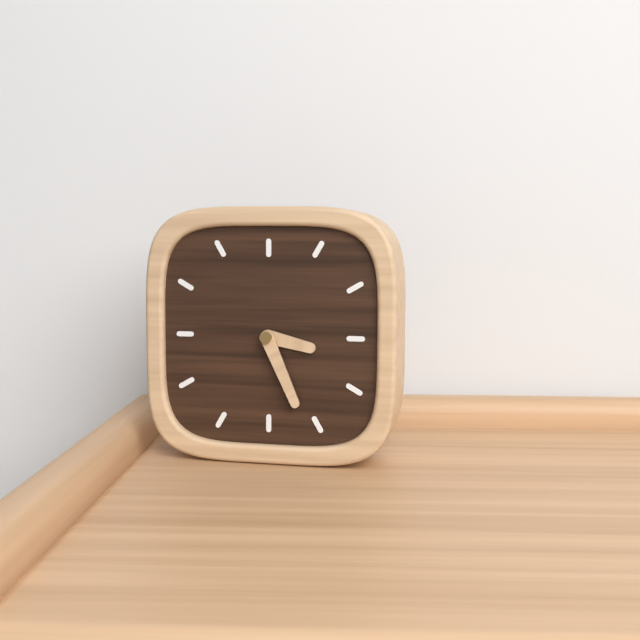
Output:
3:26
